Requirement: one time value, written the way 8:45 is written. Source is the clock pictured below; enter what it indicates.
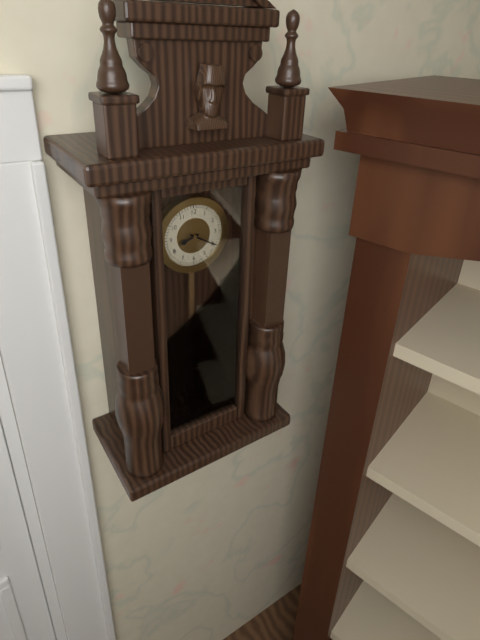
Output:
8:20
